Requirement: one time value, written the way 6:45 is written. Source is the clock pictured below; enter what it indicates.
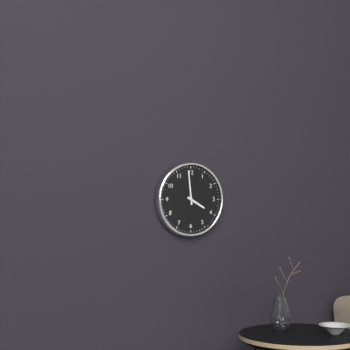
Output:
3:59
